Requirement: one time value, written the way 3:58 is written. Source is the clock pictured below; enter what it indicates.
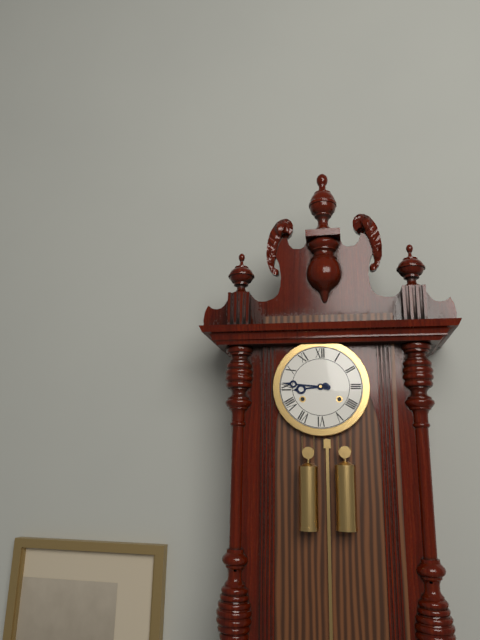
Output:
8:46
